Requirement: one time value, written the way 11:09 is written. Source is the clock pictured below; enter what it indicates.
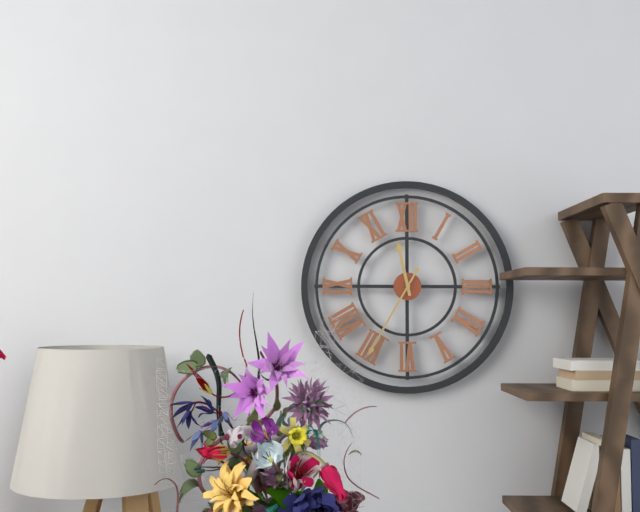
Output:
11:35
